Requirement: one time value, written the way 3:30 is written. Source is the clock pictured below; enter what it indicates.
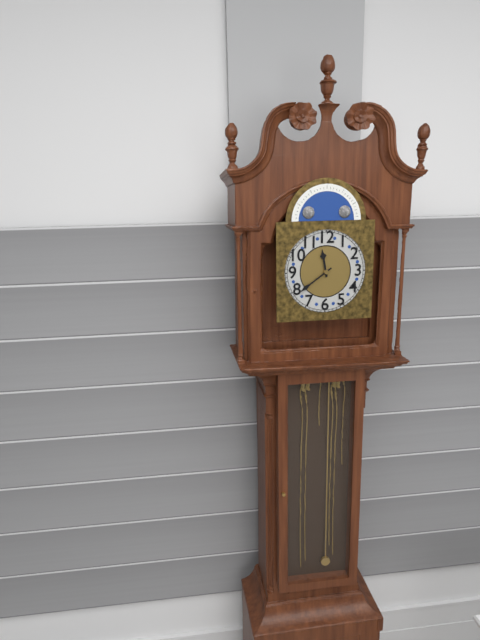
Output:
11:39
